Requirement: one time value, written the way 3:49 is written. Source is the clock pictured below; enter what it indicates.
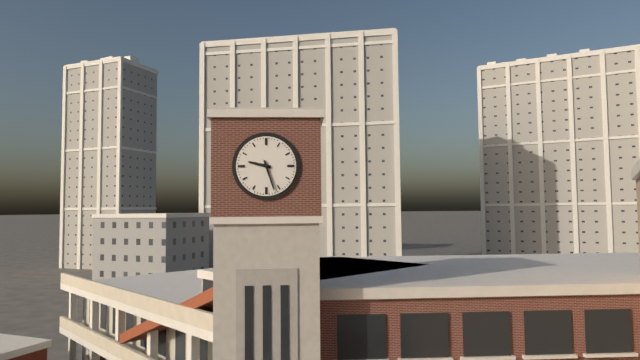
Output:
9:27
